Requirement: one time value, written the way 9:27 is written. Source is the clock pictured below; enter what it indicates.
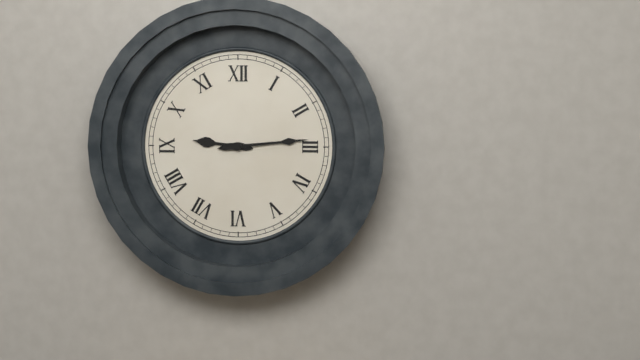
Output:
9:14
